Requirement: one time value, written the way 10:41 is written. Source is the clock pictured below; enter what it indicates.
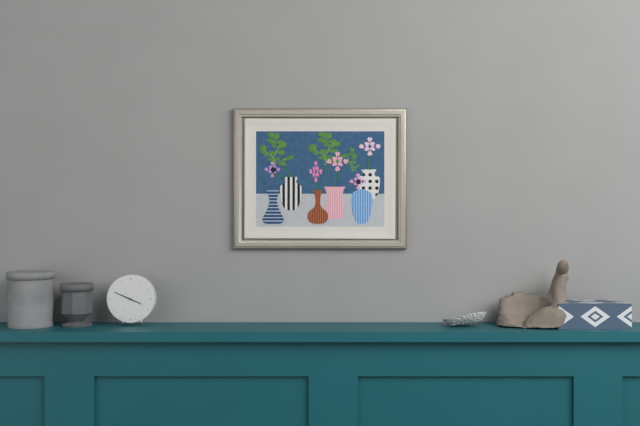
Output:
3:49
